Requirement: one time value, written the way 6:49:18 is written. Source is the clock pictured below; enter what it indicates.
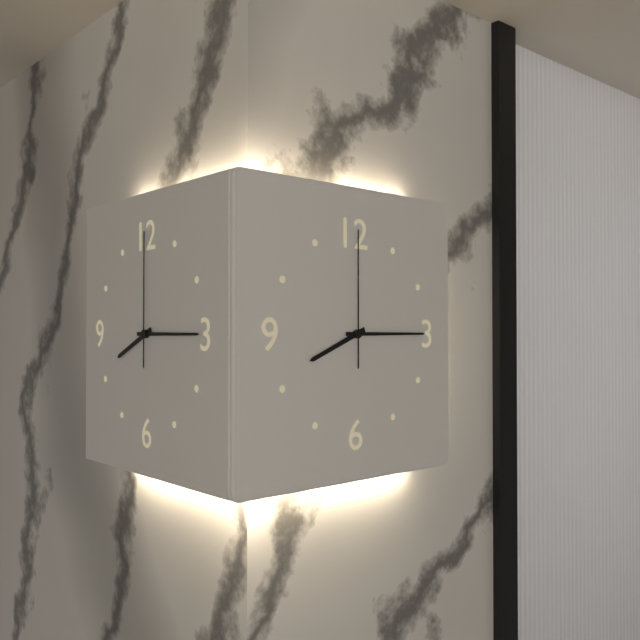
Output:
8:15:00
